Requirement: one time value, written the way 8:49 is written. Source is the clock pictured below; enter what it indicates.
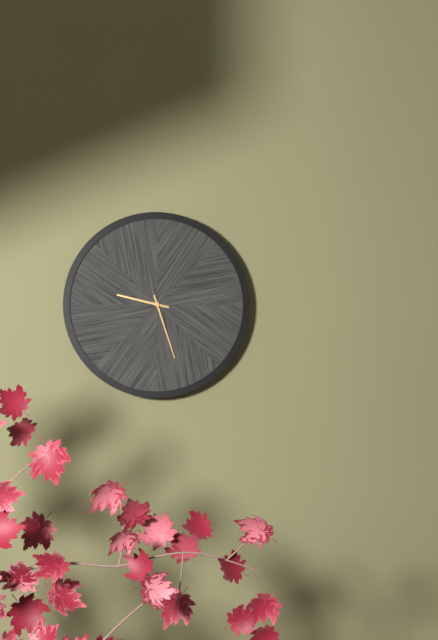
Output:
9:27
